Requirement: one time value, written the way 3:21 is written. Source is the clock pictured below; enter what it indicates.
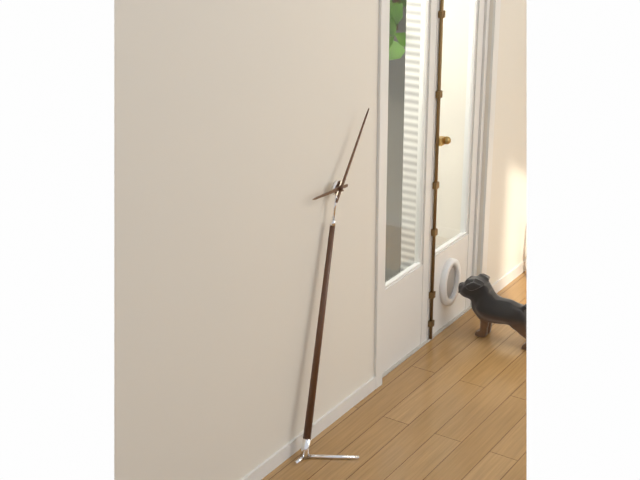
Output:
9:06
